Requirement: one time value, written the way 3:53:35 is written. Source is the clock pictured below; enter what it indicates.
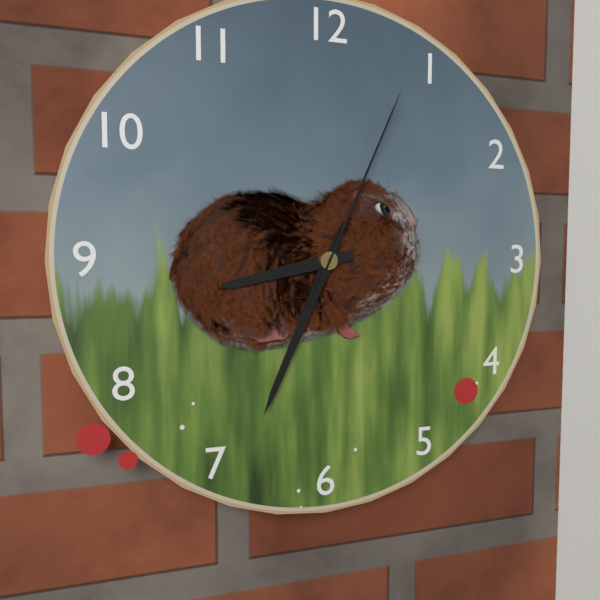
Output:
8:34:04
